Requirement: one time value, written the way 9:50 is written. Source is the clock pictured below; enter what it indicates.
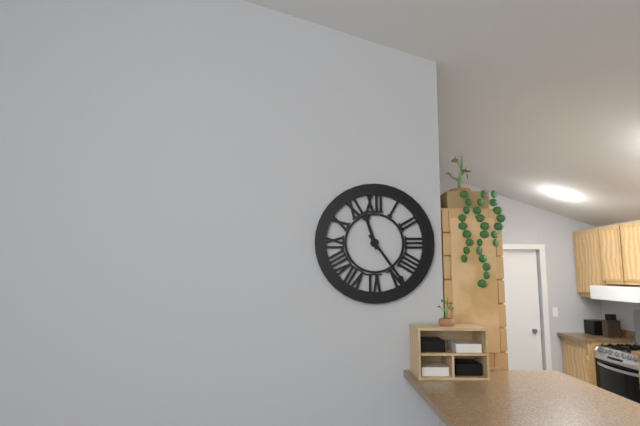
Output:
11:24
